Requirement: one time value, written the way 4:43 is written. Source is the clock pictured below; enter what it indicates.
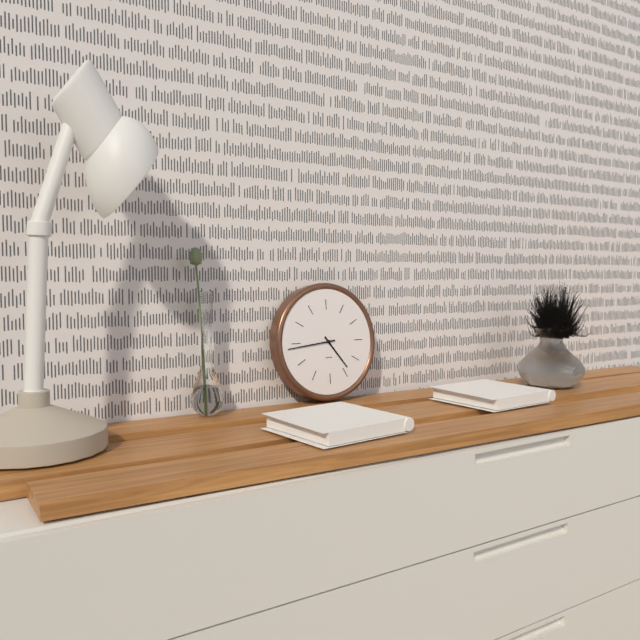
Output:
4:44
